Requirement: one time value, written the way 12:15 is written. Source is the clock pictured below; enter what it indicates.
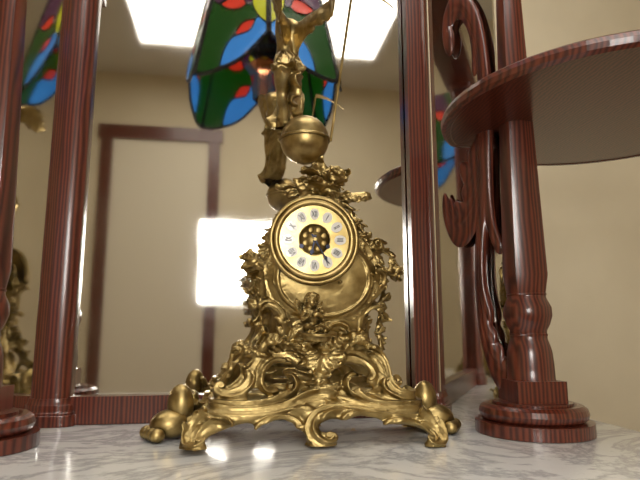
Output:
6:25
